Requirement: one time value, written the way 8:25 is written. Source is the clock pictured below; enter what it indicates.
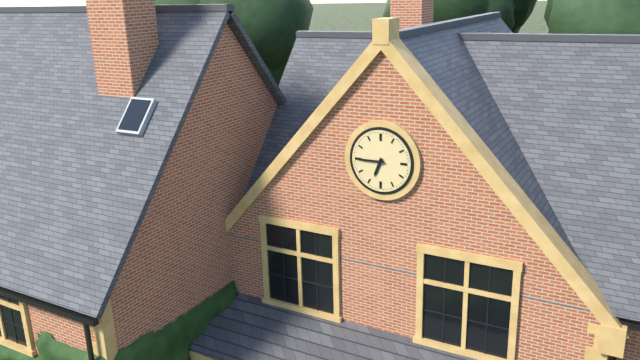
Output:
6:45
